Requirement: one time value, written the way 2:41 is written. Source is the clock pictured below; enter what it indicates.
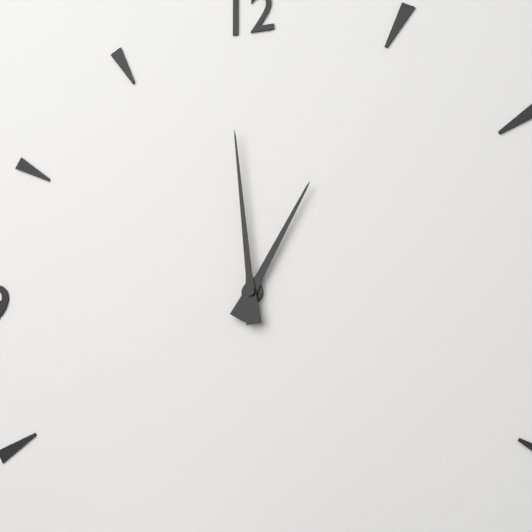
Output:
12:59
